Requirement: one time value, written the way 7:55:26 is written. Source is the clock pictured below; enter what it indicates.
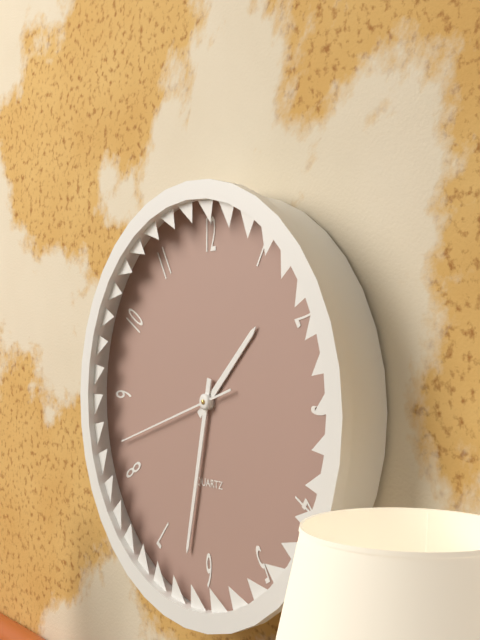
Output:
1:32:42
